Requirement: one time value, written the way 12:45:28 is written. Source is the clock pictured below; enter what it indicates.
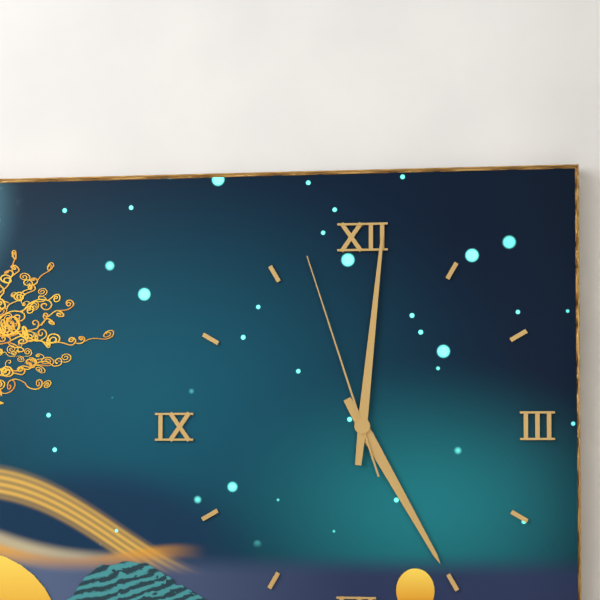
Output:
5:01:57
